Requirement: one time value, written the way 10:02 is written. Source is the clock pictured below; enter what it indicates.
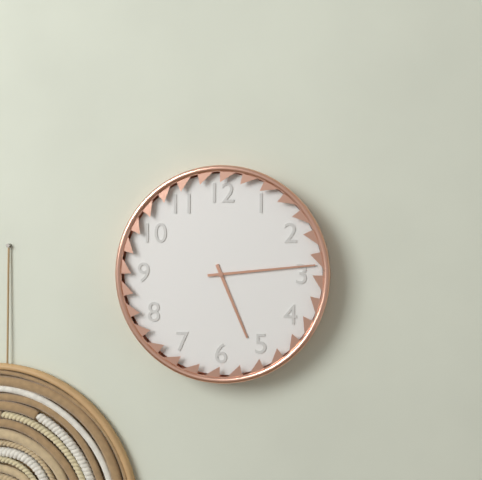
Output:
5:14
